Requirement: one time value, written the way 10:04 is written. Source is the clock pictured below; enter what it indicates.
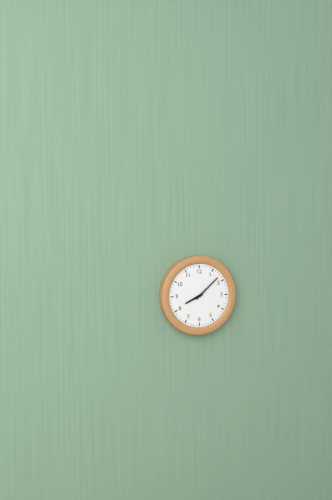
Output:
8:08
